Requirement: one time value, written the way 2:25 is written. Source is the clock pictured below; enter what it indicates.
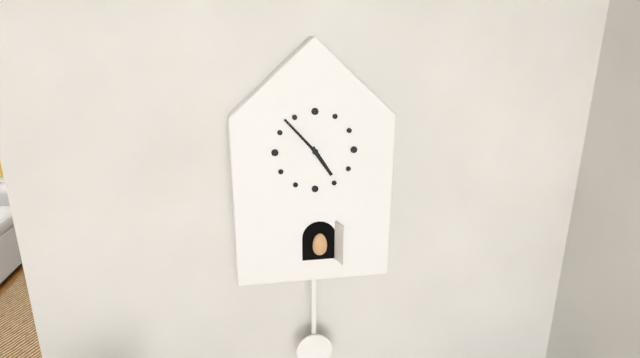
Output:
4:53
